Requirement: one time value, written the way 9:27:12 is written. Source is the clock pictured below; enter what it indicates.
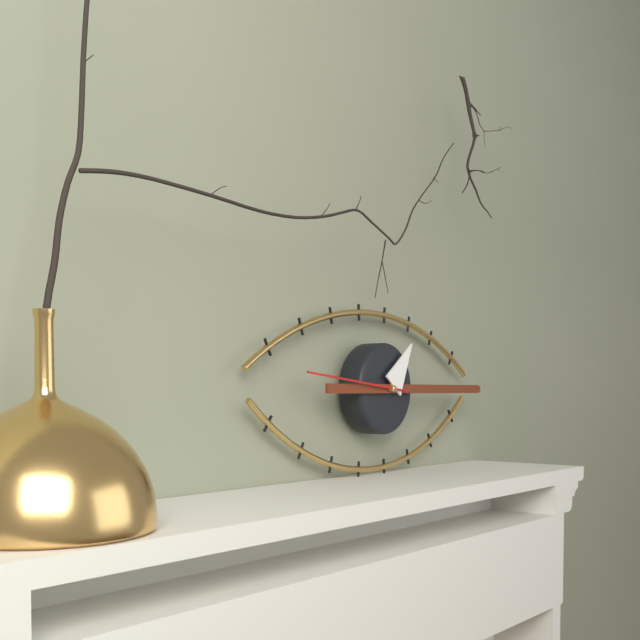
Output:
1:15:46
